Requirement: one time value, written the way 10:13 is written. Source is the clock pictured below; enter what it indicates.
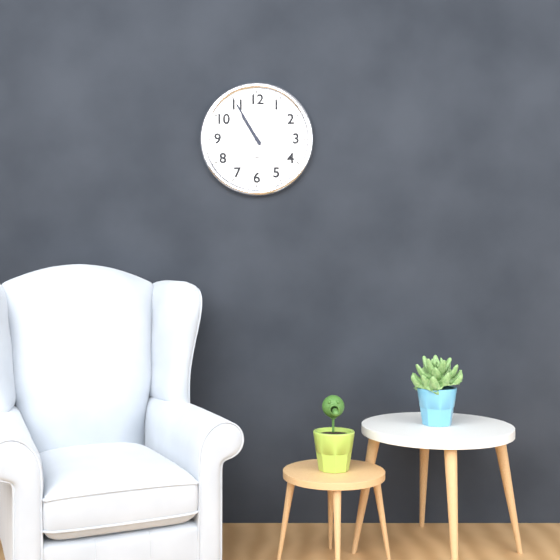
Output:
10:55
